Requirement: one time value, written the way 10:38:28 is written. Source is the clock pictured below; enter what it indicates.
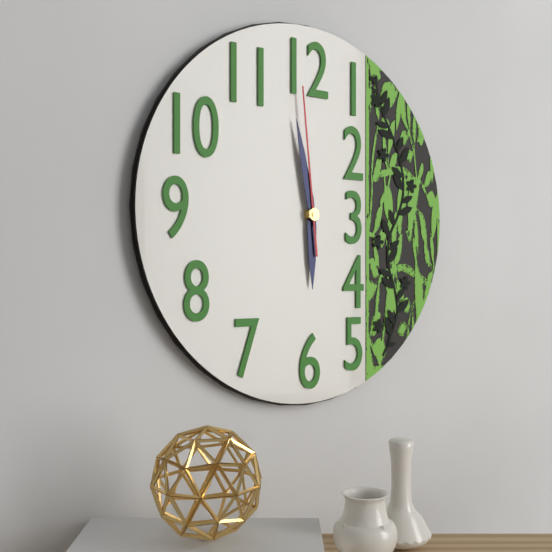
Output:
5:58:59
